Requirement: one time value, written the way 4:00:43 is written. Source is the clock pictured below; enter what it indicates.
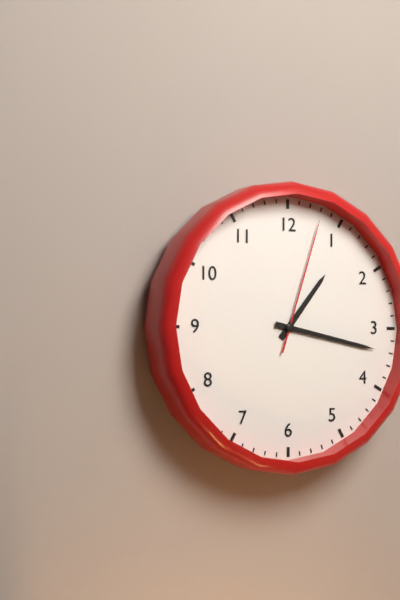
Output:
1:17:03
